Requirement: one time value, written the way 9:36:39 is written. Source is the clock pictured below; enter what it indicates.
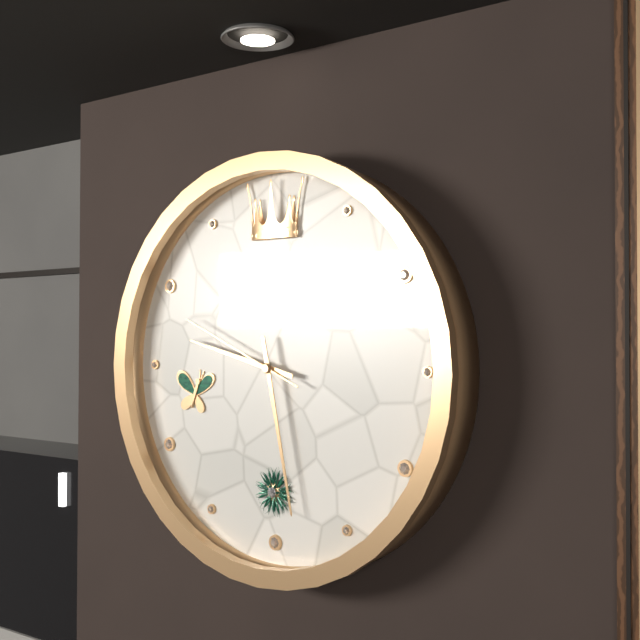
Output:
9:28:49
